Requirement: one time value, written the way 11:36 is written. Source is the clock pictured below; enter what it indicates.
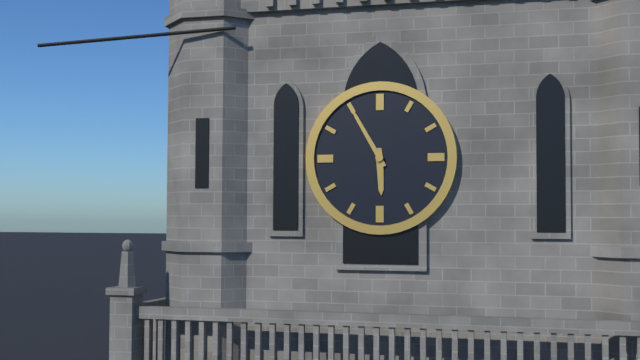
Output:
5:55
